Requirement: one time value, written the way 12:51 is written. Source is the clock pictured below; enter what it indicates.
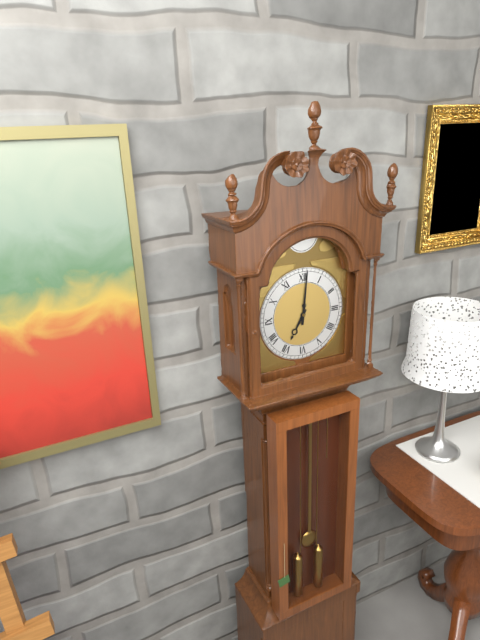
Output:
7:01
